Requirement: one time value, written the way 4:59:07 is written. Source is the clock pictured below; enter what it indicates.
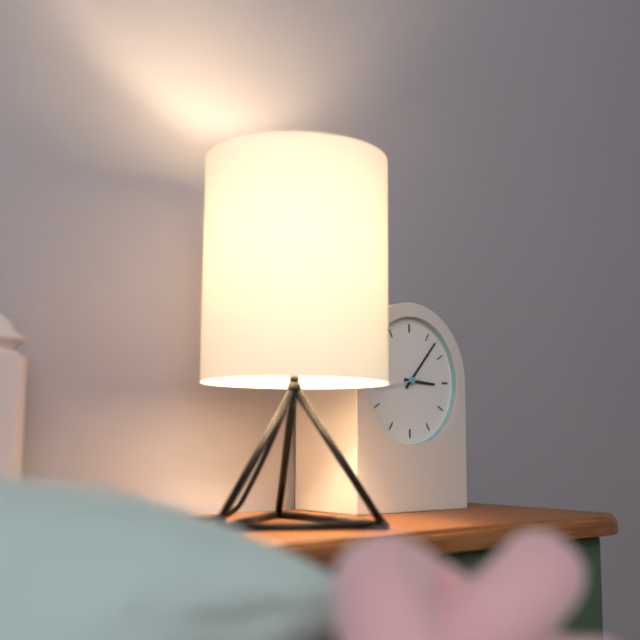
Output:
3:07:43
